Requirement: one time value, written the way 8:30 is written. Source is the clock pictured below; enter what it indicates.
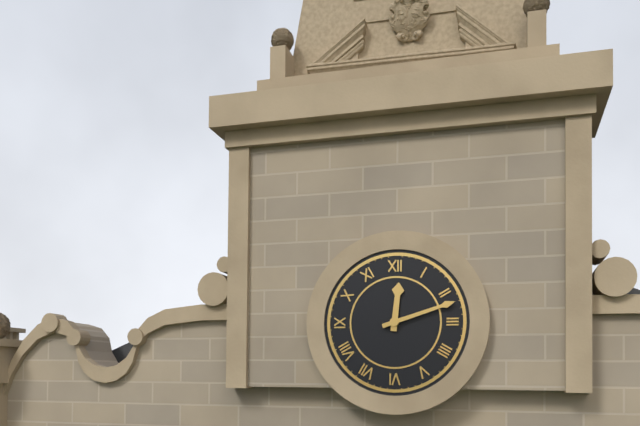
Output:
12:12
